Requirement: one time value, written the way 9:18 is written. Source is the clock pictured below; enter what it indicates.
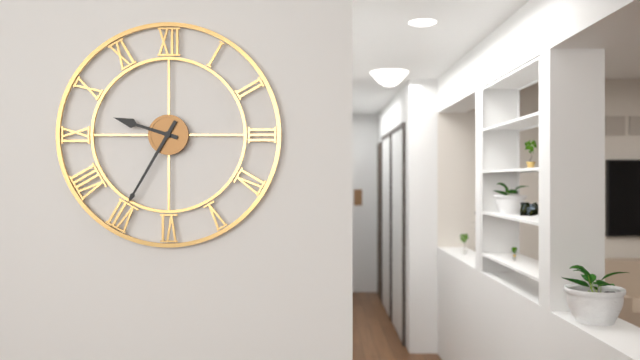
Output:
9:35
